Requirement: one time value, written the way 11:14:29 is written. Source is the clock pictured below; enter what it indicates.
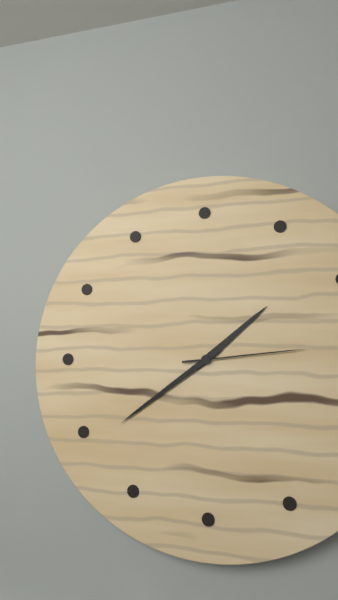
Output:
1:39:14
